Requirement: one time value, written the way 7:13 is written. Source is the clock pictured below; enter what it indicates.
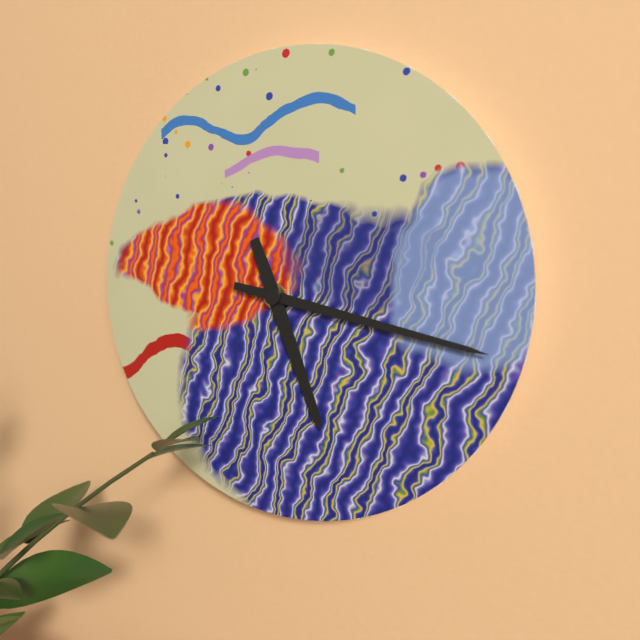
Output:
5:17
